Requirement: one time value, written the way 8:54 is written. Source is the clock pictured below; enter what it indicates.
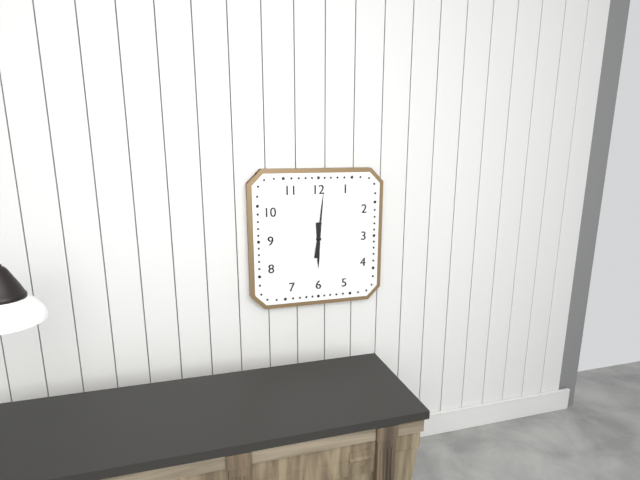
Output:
6:01
